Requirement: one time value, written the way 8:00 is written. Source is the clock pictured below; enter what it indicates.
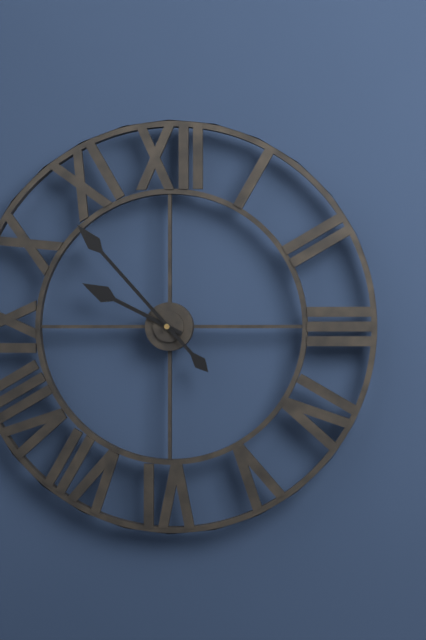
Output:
9:53
